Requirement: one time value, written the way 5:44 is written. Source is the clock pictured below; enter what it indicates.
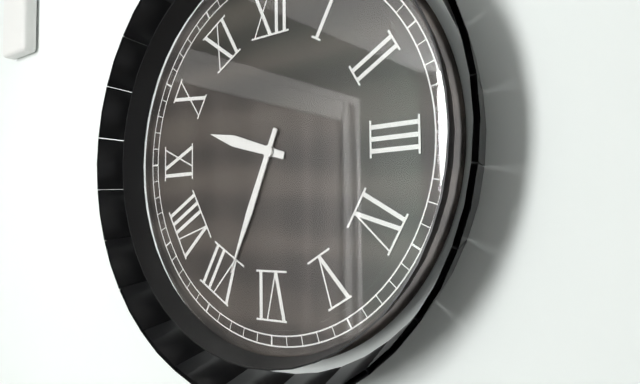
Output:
9:34
